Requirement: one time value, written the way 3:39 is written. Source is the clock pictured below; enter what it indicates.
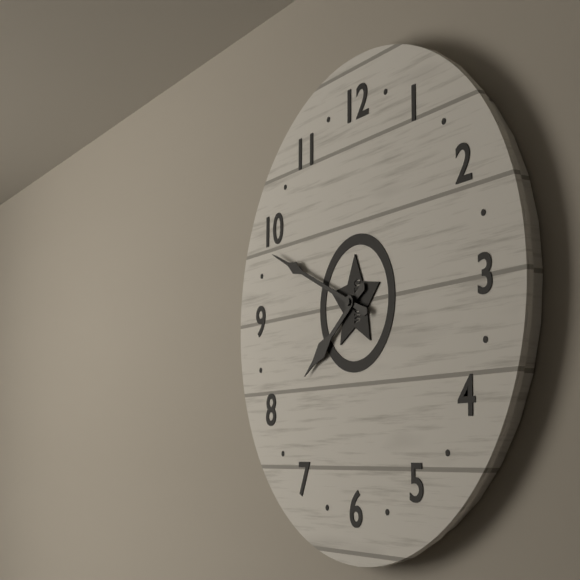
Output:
7:49
